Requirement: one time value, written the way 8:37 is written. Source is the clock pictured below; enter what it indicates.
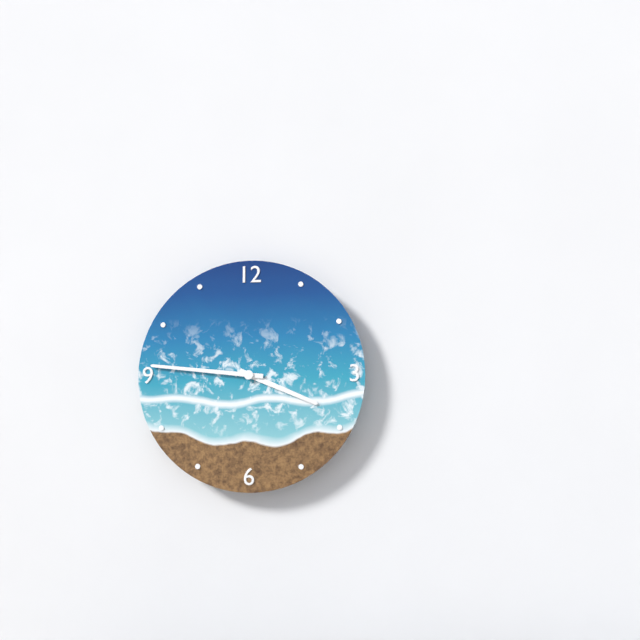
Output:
3:46
